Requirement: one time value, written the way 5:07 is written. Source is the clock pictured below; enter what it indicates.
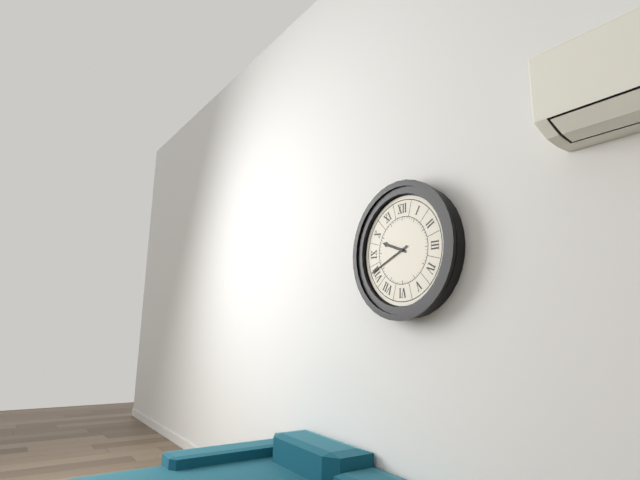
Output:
9:41
